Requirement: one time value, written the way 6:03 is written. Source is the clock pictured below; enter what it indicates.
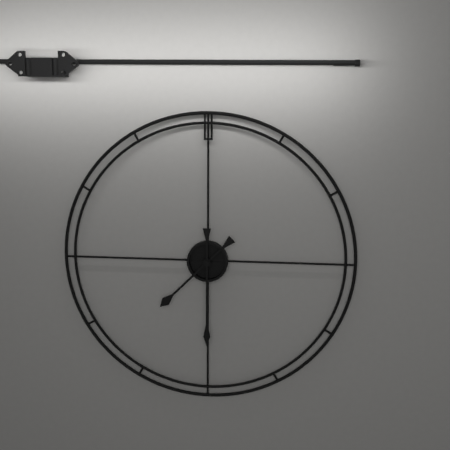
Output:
7:30
